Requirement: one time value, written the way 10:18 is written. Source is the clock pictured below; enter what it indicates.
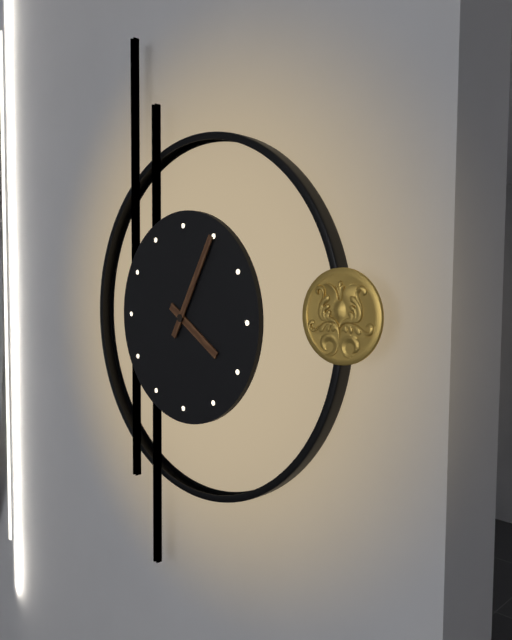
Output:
4:05
